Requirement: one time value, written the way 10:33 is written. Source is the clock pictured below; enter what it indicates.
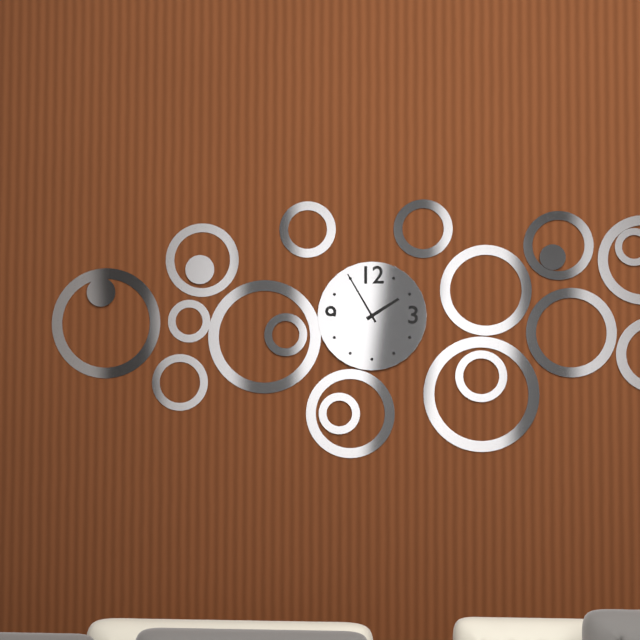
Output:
1:55
